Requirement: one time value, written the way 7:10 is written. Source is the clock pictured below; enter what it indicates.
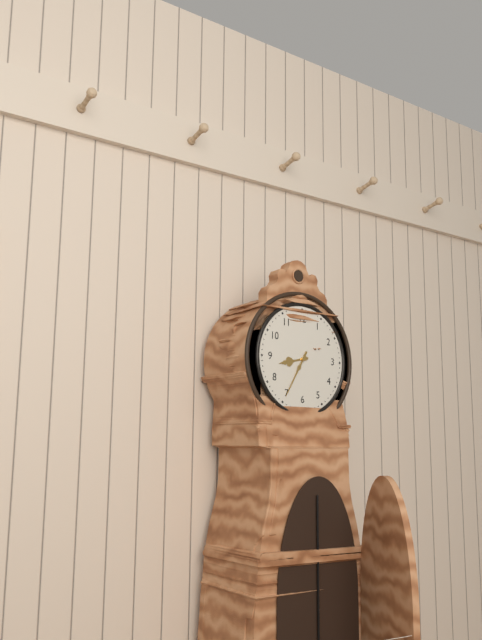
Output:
8:35
